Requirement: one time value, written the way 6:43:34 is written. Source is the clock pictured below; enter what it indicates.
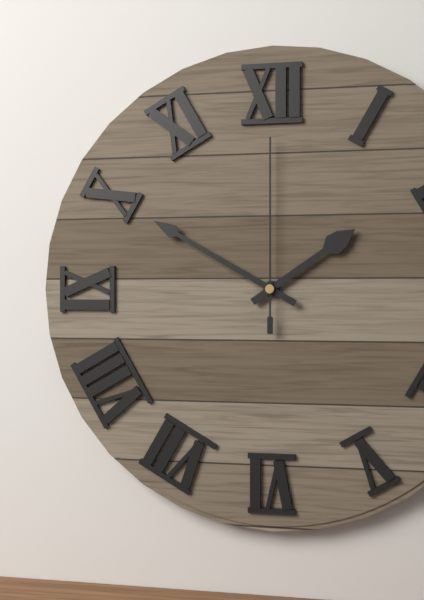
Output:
1:50:00
